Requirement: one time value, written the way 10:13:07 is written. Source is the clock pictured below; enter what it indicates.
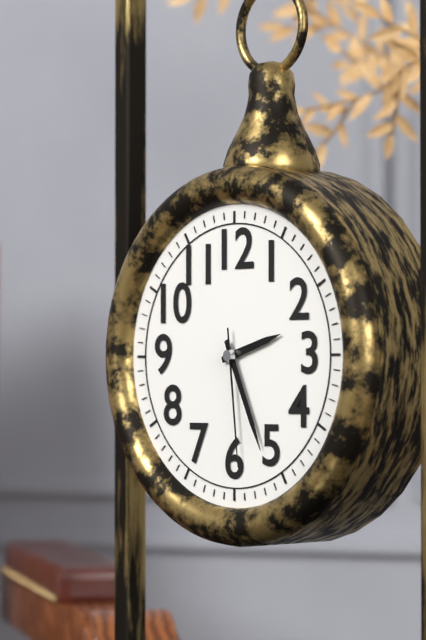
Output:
2:26:29
